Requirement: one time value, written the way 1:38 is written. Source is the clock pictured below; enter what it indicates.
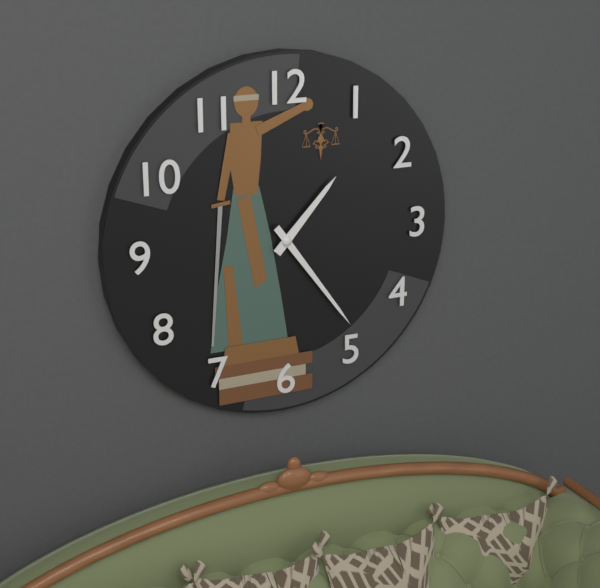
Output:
1:24
